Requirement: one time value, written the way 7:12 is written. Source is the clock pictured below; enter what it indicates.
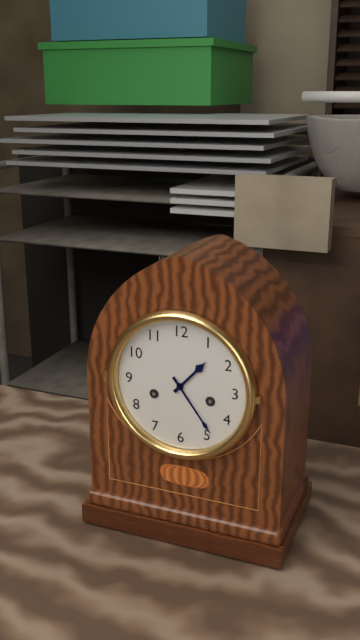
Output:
1:24
